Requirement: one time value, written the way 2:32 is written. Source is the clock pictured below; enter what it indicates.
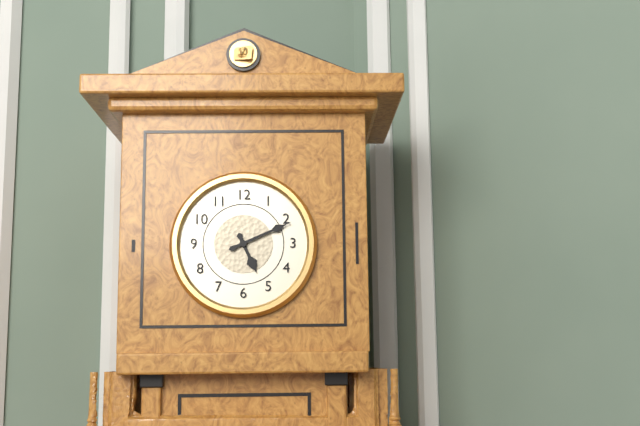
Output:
5:11
